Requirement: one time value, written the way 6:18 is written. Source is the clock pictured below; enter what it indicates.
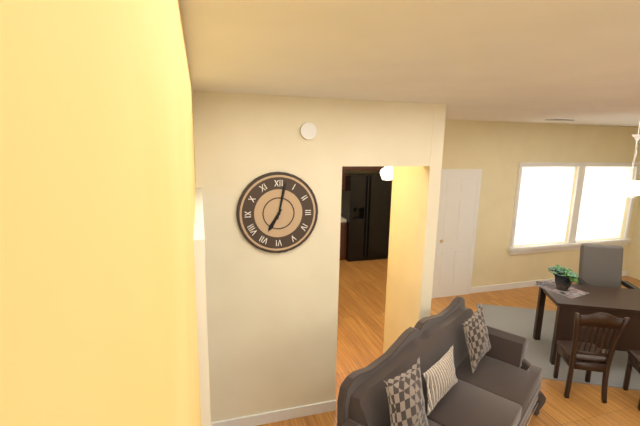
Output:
7:02
